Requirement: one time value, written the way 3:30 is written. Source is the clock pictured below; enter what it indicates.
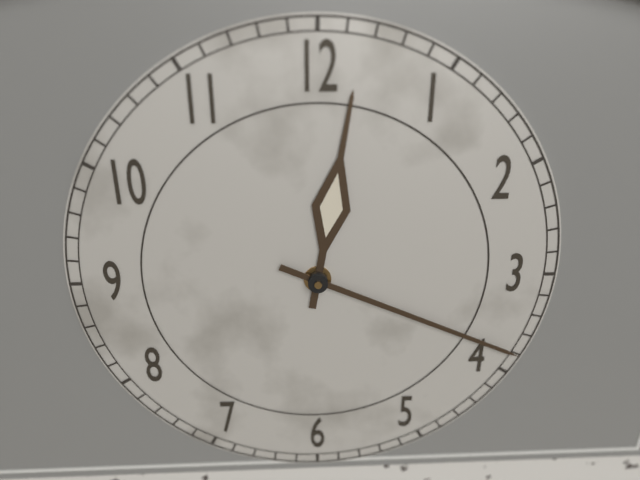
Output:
12:19
